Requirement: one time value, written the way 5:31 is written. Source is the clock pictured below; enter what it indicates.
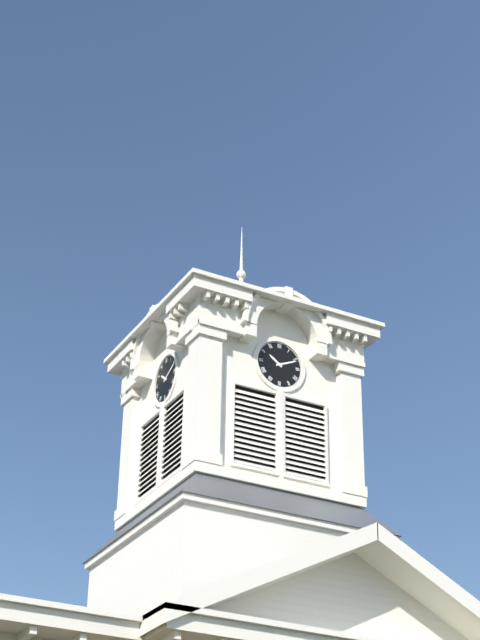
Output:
10:11
